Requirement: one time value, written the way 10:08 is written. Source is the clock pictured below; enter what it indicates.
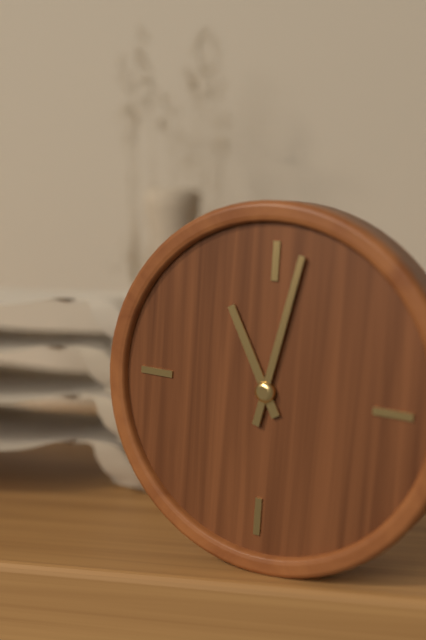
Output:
11:02
